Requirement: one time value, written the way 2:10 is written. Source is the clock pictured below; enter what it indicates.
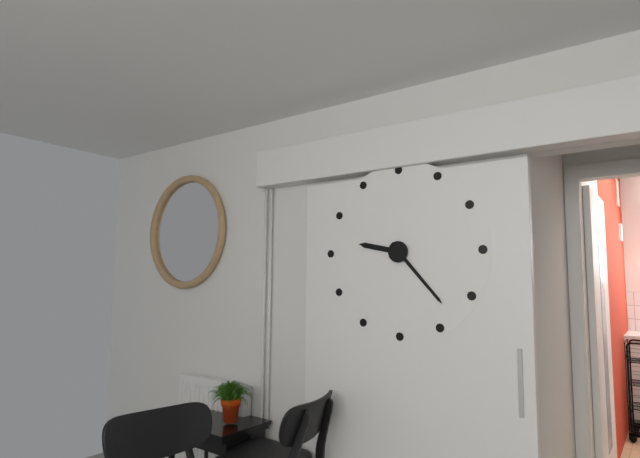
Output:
9:23
